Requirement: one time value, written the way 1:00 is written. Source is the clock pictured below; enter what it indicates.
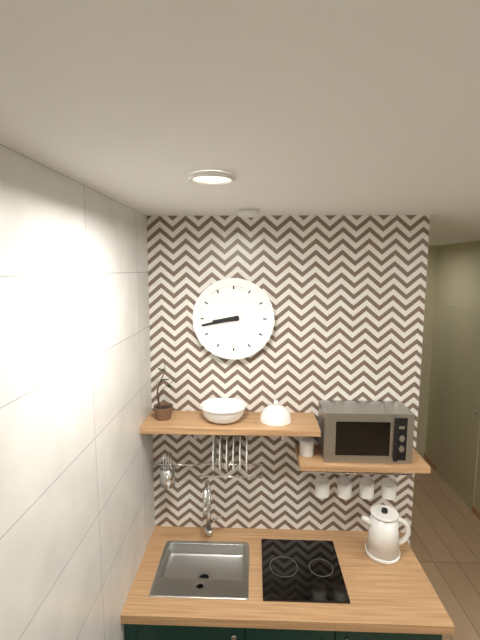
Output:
8:43
